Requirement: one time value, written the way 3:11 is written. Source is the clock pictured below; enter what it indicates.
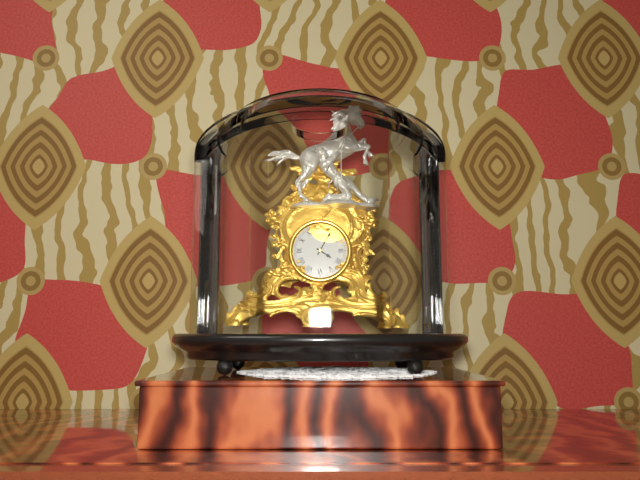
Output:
4:05
